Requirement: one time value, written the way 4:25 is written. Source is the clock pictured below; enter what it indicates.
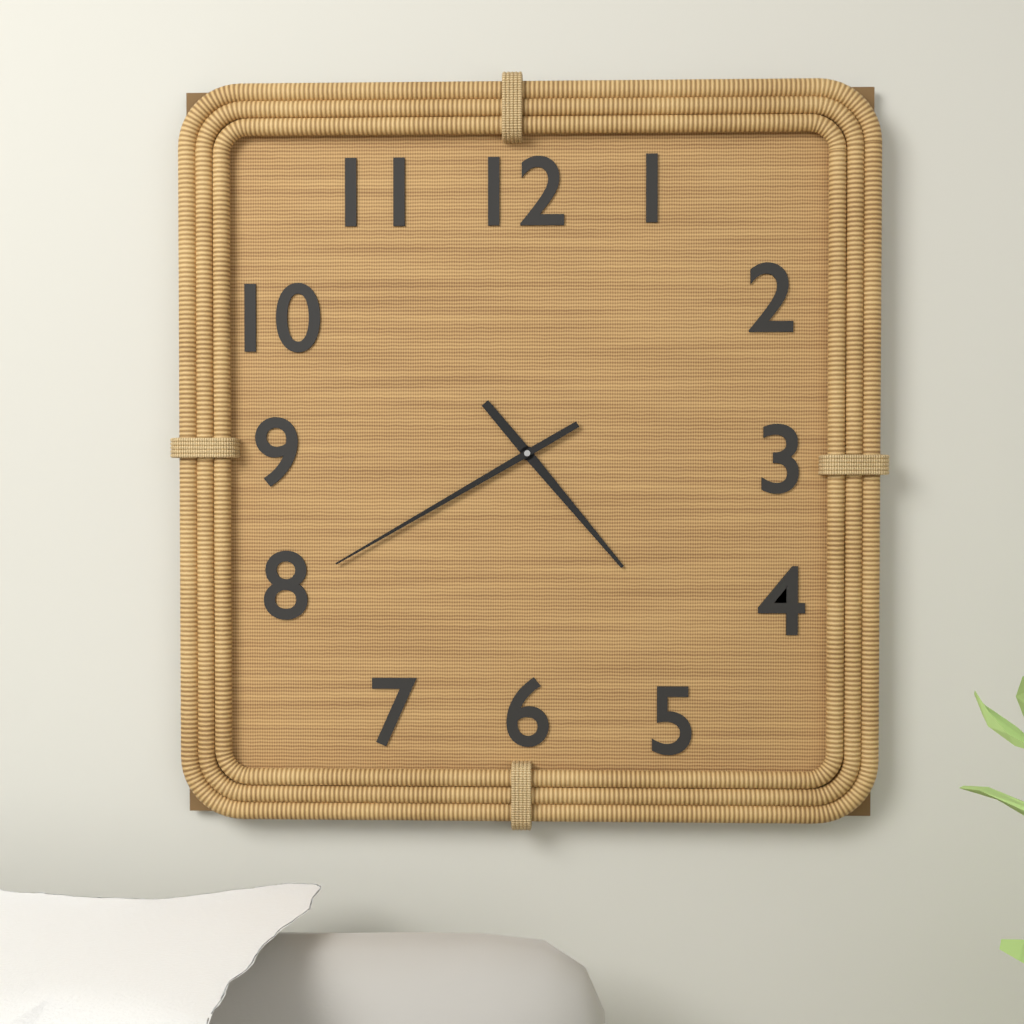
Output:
4:40
